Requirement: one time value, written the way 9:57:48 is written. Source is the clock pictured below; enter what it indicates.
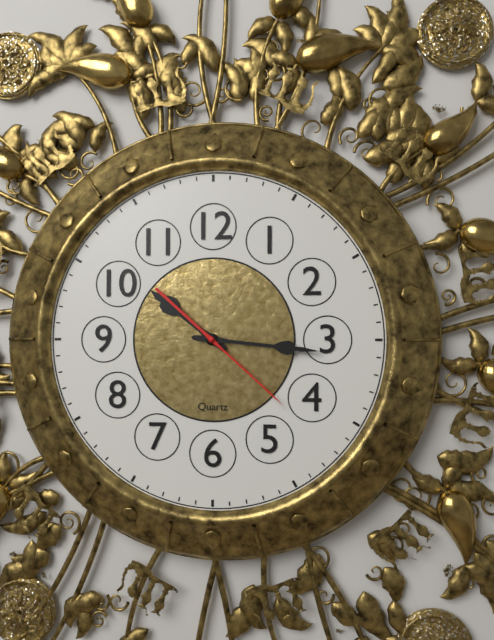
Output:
10:16:22
